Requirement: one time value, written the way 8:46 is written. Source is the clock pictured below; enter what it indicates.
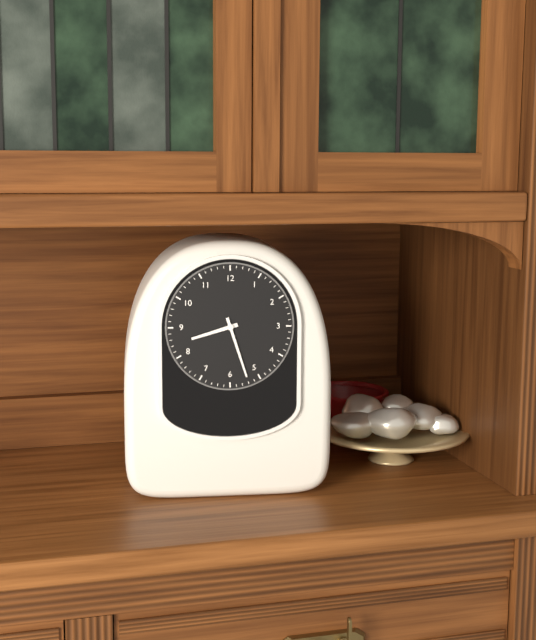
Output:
8:27
